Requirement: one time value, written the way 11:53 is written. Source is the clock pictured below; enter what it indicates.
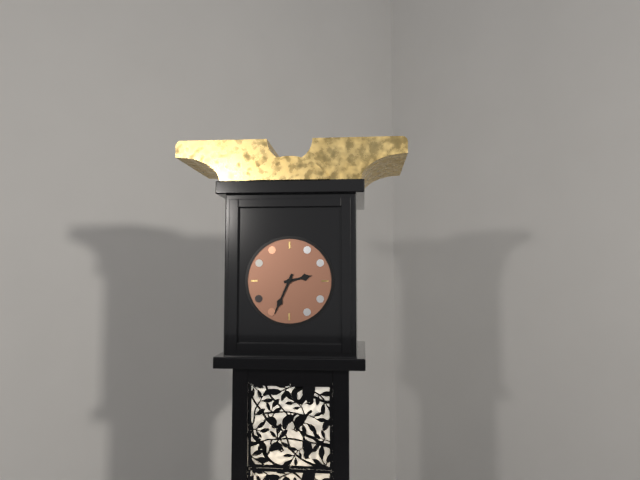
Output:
2:34
